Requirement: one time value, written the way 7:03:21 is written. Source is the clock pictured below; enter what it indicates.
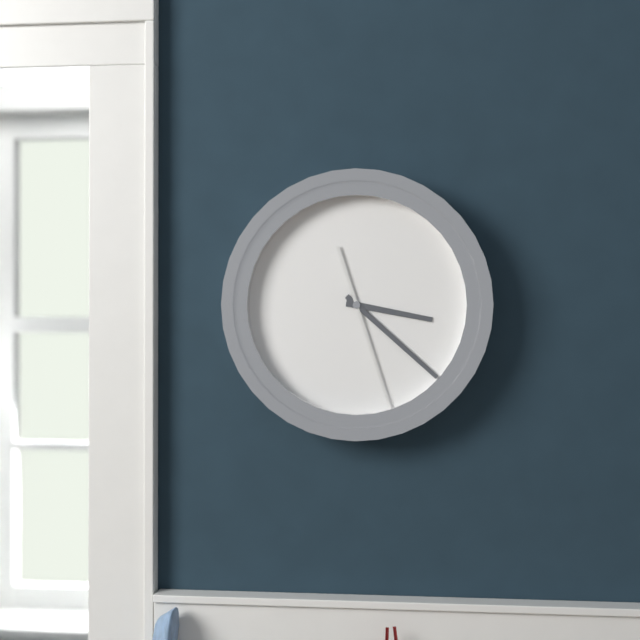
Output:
3:22:27
